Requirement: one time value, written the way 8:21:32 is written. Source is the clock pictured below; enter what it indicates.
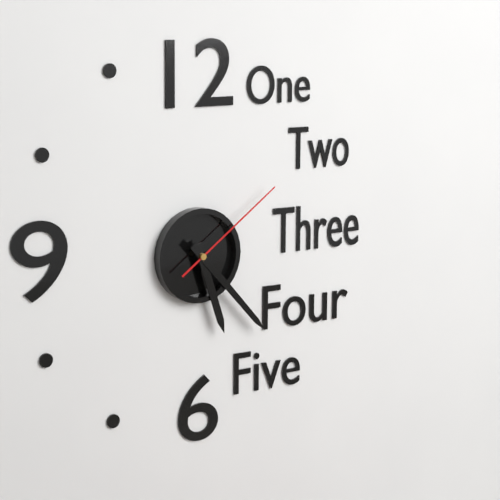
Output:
5:23:09
